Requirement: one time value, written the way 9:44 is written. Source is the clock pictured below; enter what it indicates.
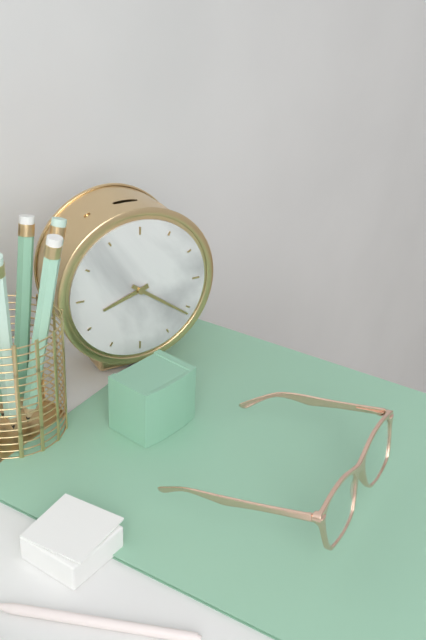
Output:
8:21
